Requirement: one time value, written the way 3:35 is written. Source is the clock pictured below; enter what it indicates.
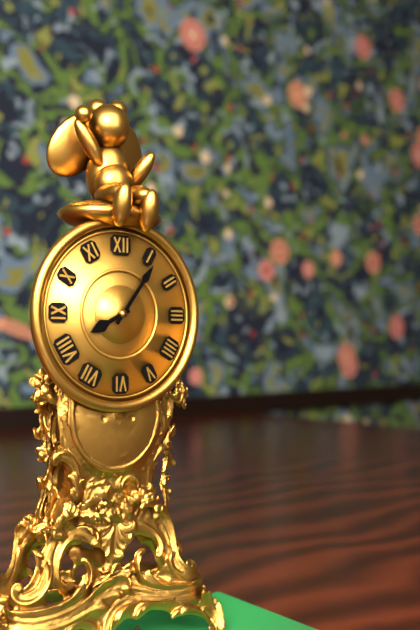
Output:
8:06
